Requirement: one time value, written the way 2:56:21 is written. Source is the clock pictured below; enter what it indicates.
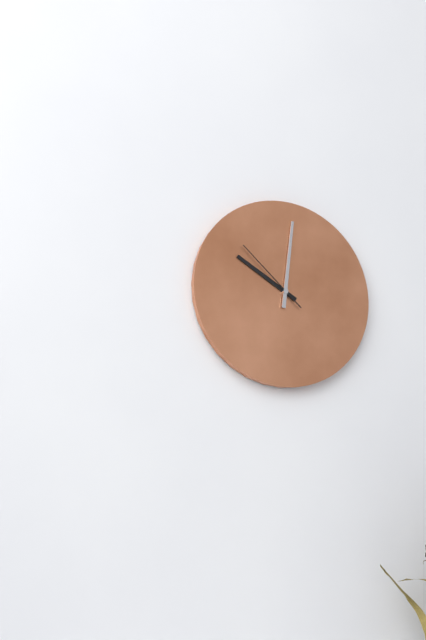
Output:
10:01:52
